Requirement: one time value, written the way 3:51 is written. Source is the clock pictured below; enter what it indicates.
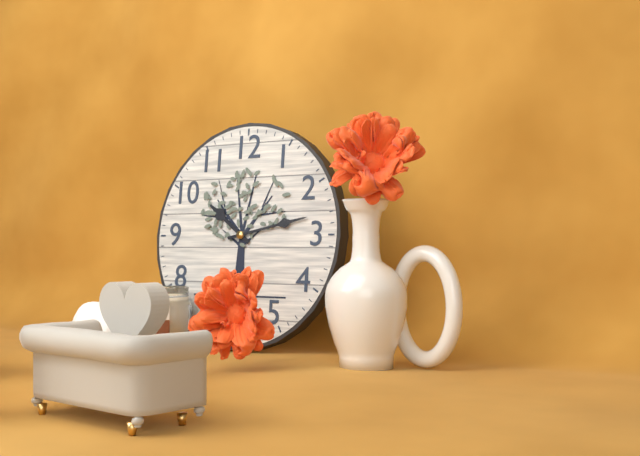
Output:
10:13
